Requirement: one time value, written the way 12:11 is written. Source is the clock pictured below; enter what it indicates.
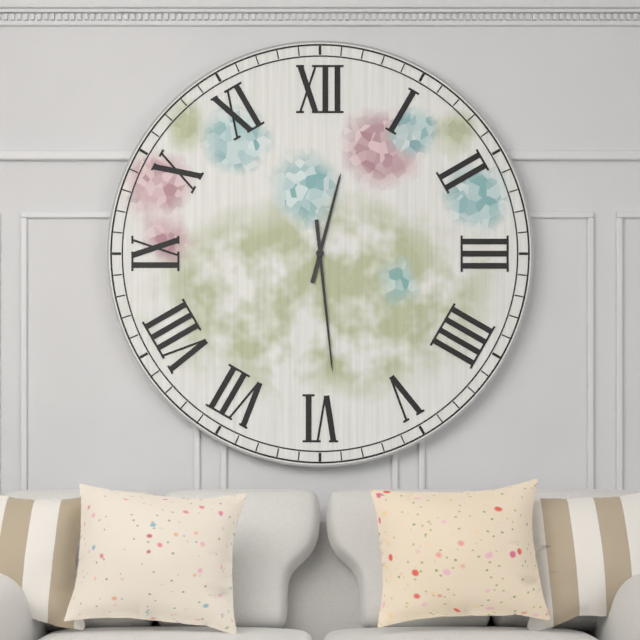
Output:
12:29
